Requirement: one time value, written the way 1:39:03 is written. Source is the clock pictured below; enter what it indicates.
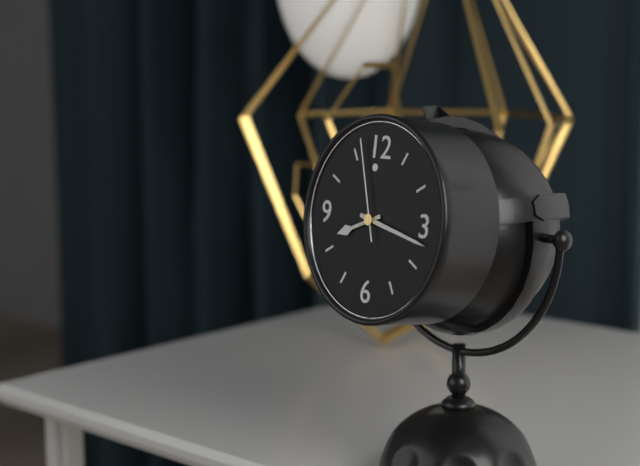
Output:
8:17:57
